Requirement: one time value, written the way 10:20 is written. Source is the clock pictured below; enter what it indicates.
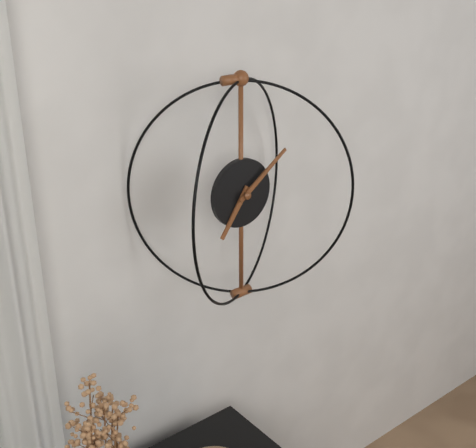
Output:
7:09
